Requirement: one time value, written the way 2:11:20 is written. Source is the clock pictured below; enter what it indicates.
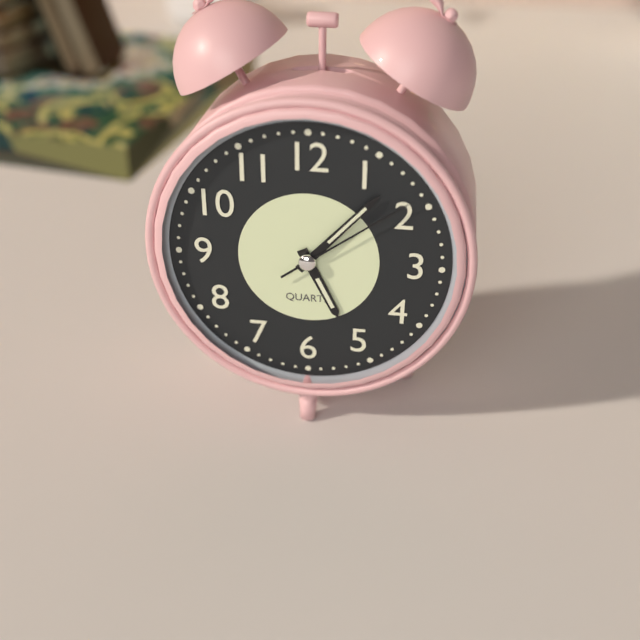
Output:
5:07:09
